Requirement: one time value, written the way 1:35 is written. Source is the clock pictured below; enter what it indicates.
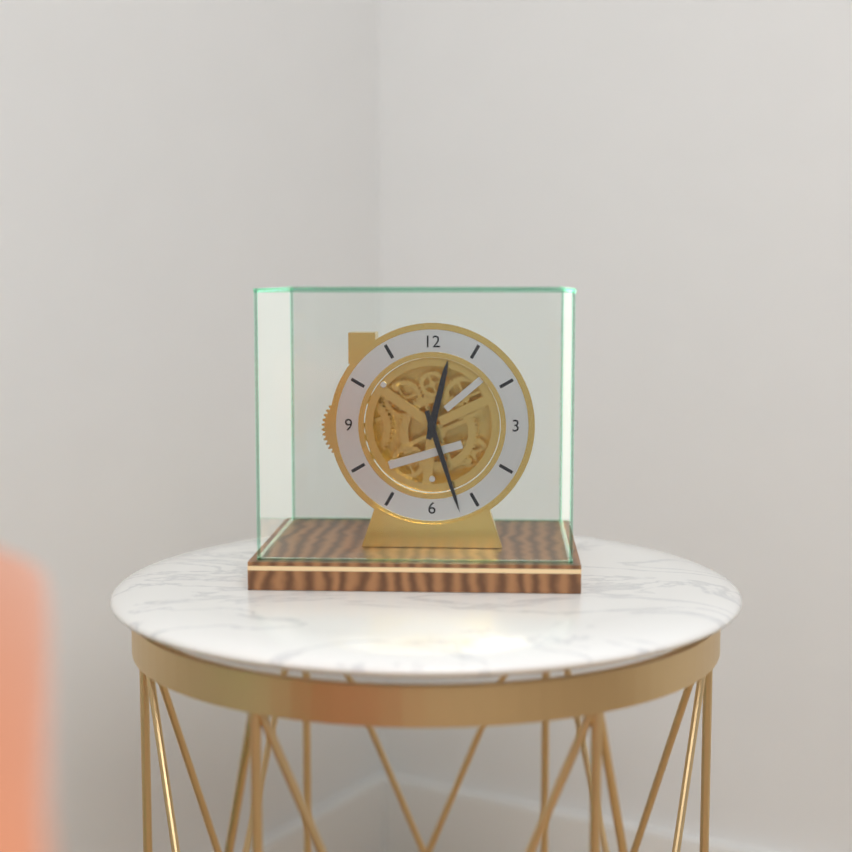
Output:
12:27
